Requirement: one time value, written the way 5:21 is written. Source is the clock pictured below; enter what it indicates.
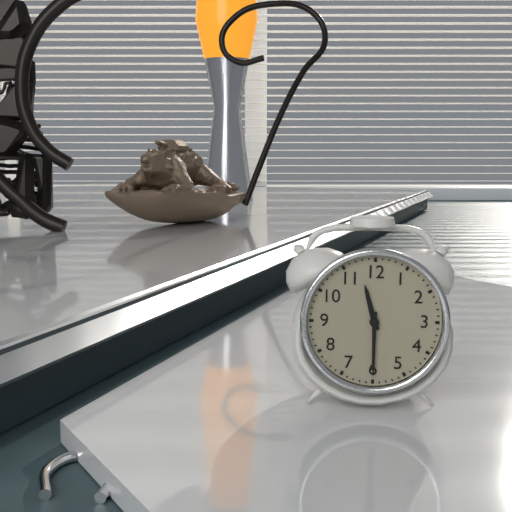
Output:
11:30
